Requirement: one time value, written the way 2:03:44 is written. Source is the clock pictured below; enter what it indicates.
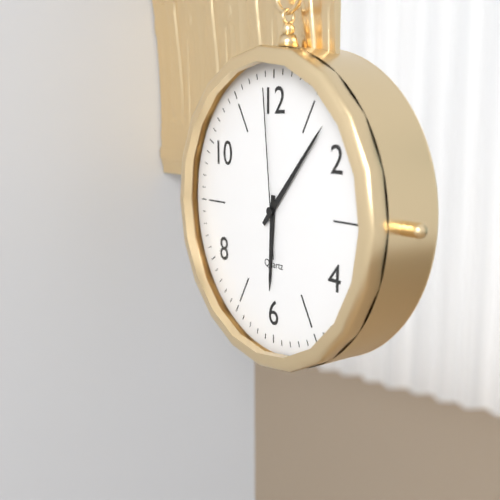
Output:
6:07:59
